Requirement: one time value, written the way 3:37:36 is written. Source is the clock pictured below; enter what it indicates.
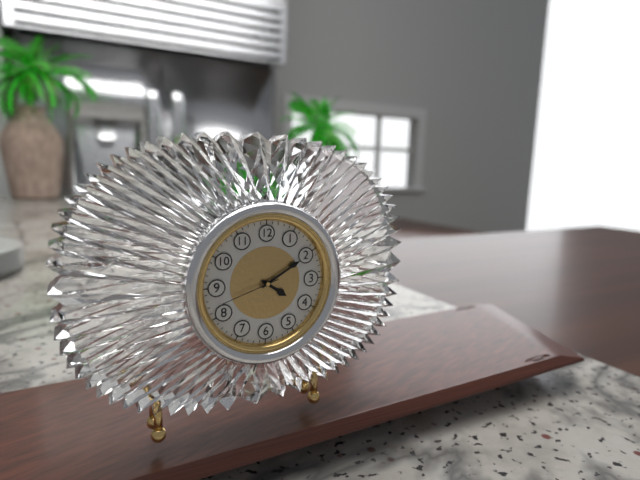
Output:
4:10:42
